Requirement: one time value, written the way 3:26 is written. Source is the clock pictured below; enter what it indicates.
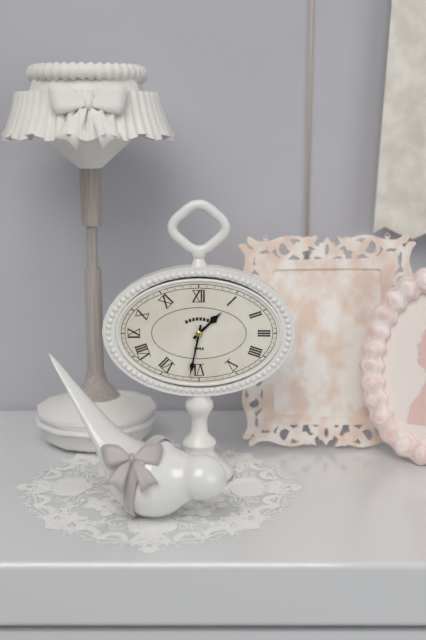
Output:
1:32
